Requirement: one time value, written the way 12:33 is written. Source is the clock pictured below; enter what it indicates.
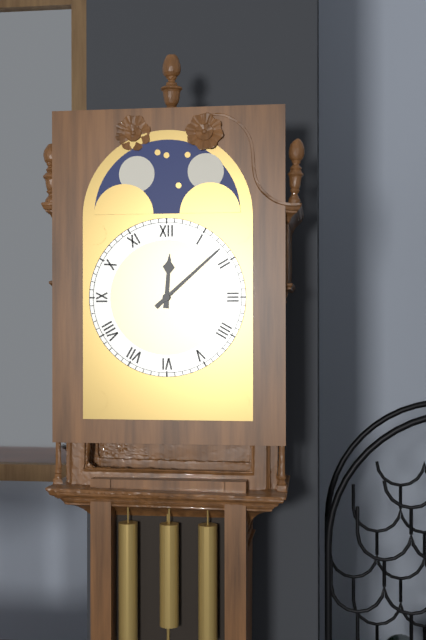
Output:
12:08
